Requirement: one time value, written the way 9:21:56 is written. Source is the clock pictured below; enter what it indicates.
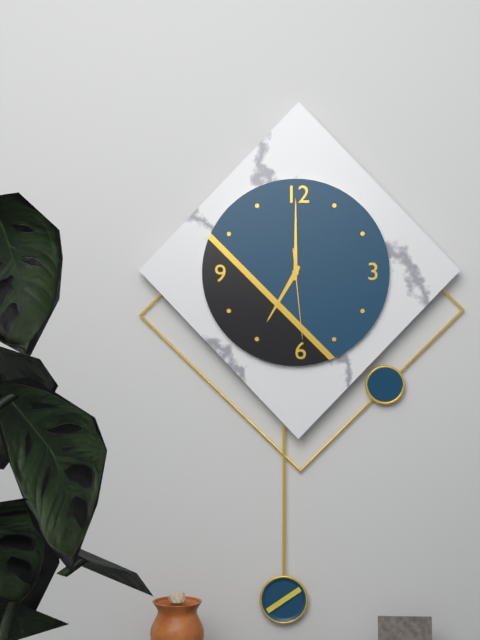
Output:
7:00:29
